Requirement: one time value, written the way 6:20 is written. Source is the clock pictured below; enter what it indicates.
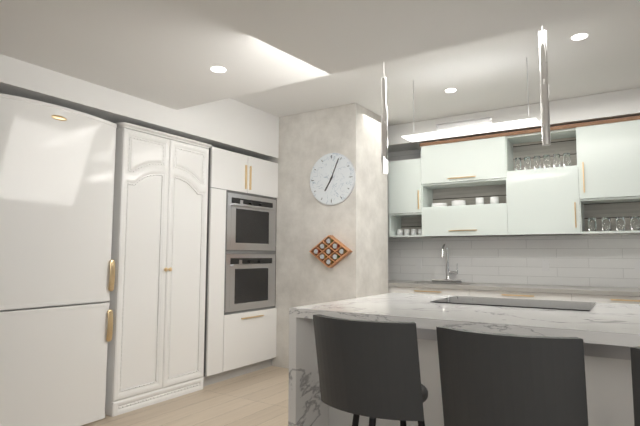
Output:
7:04
